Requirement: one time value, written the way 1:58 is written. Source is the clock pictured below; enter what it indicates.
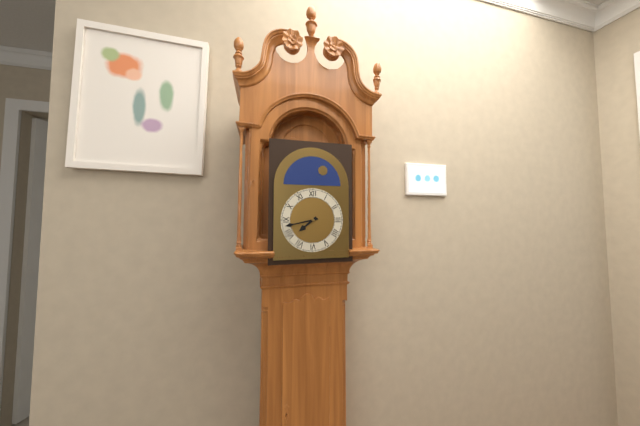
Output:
7:43
